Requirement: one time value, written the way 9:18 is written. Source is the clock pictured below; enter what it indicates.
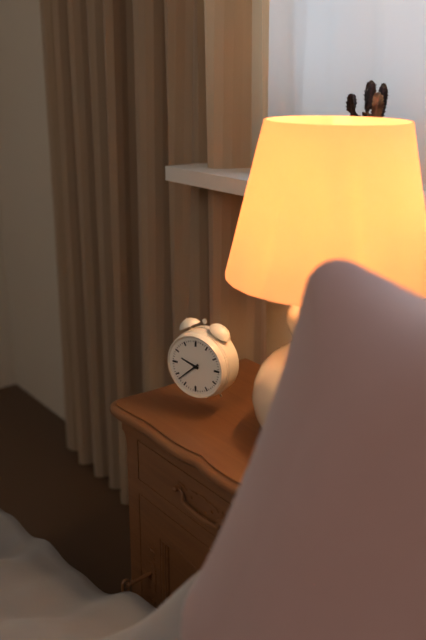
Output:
9:38
